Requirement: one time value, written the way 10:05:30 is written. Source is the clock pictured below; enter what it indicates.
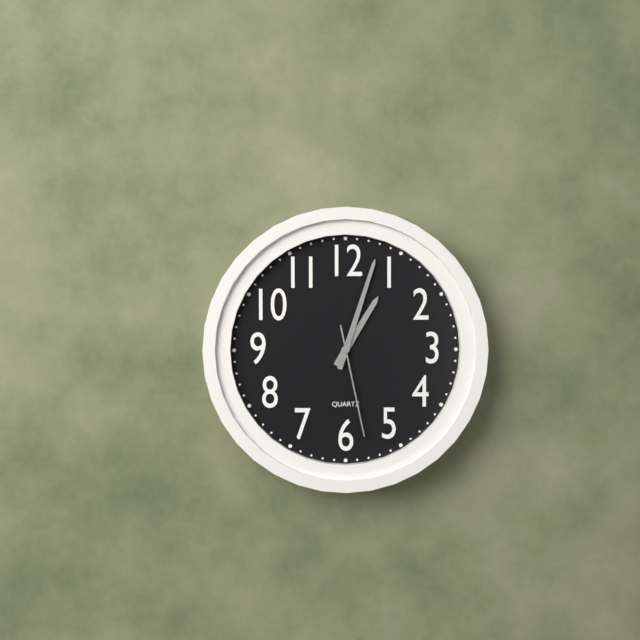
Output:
1:03:28
